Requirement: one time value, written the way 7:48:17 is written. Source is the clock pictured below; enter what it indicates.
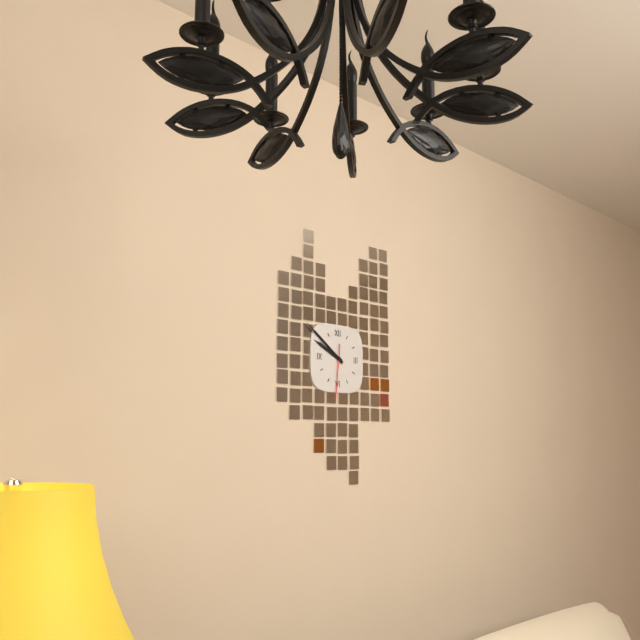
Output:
9:51:31
